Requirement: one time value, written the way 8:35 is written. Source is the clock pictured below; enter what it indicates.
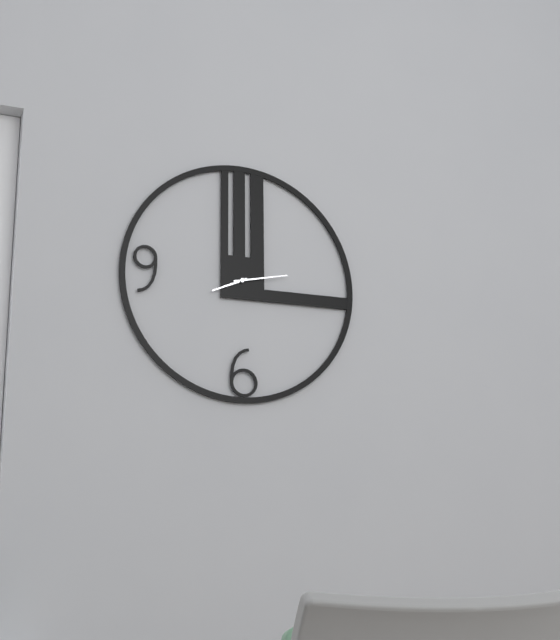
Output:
8:13
